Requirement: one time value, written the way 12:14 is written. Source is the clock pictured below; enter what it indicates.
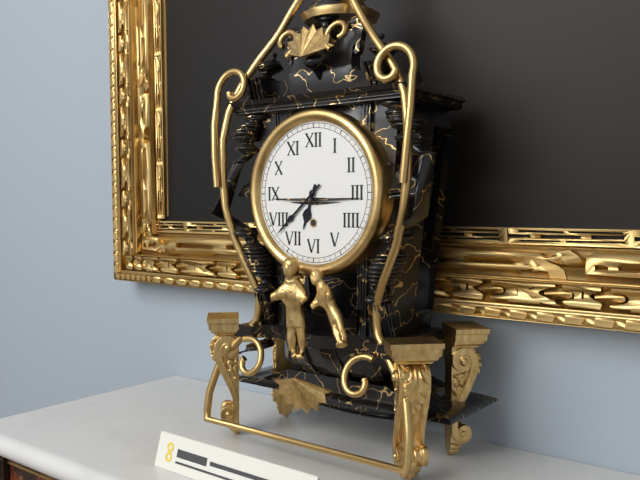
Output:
6:38
